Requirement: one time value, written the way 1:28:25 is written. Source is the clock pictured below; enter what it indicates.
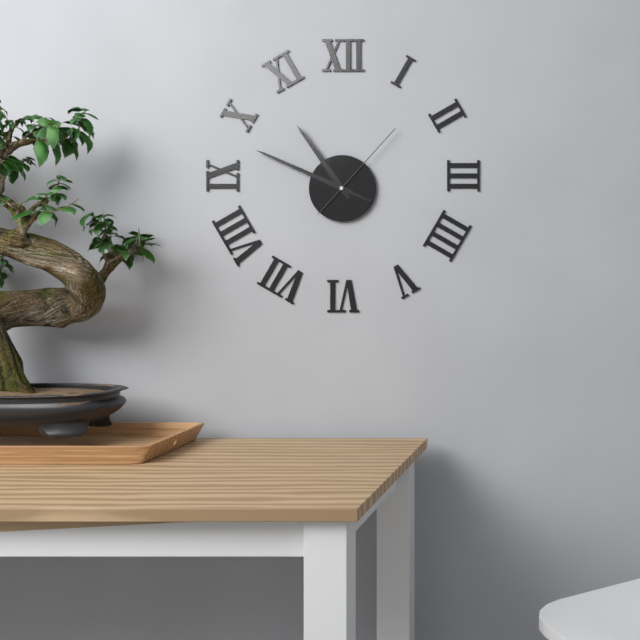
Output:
10:49:07
